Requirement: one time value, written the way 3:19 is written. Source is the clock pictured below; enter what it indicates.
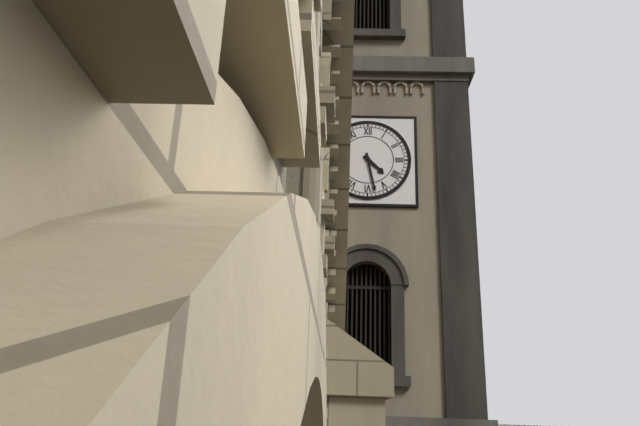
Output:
4:28
